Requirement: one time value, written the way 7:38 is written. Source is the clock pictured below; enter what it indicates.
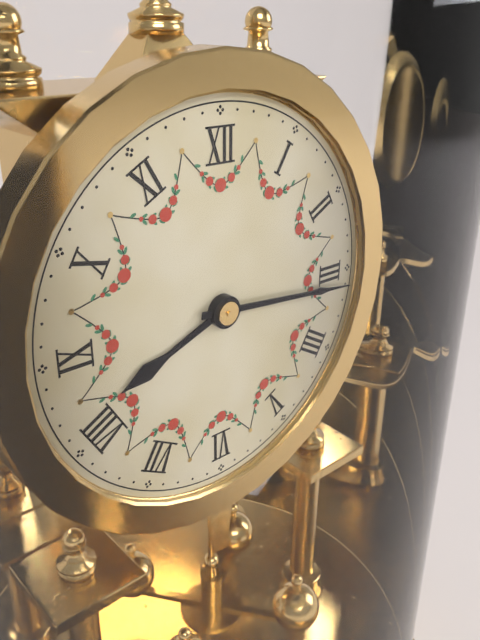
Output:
8:16
